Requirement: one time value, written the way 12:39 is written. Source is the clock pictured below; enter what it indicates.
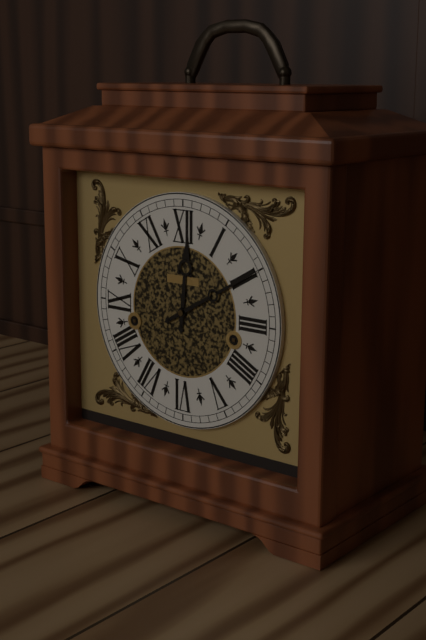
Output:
12:10
